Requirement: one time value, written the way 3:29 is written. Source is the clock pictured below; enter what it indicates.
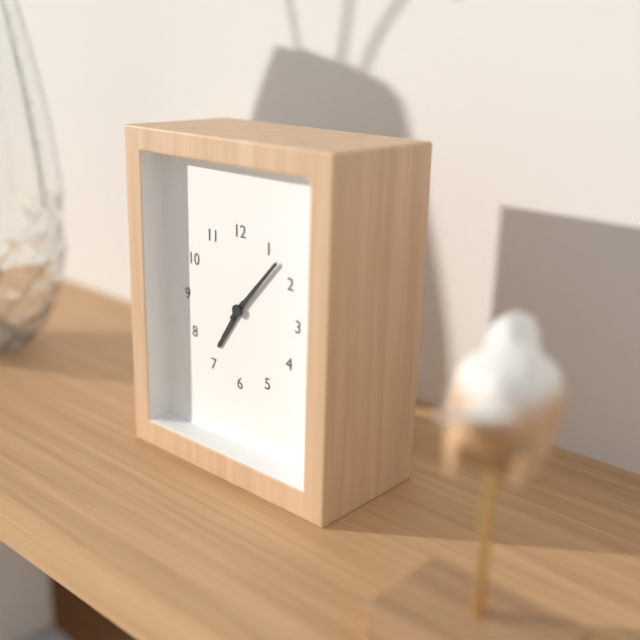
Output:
7:07
